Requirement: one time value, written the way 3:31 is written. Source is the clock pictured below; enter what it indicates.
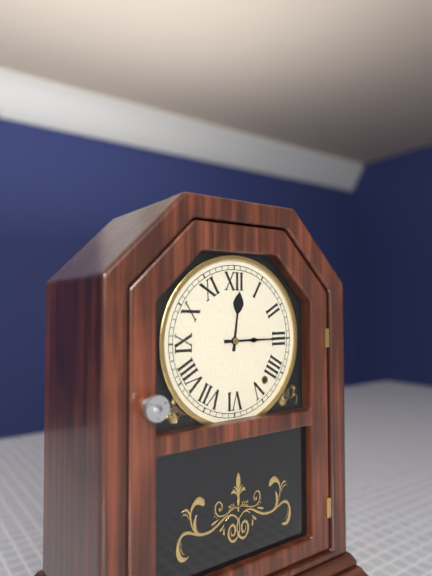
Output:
12:15
